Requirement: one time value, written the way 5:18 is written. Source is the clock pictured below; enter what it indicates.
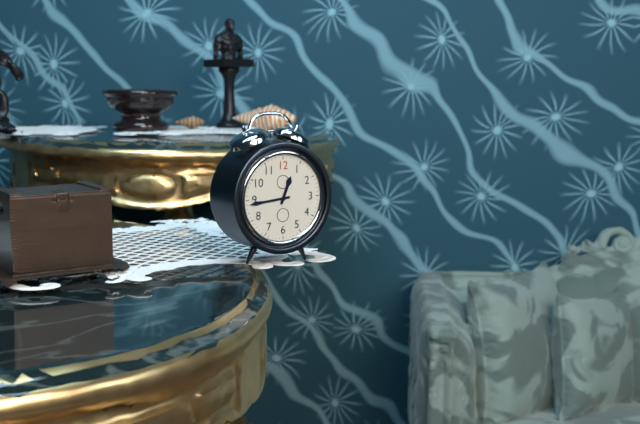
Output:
12:44
